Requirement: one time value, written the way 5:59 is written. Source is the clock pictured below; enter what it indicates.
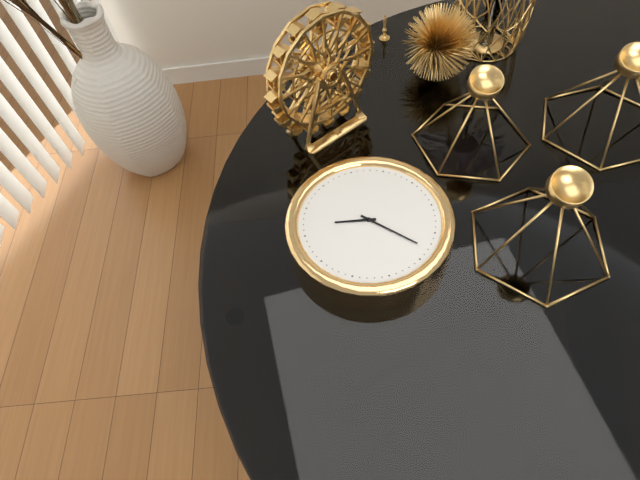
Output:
9:23
